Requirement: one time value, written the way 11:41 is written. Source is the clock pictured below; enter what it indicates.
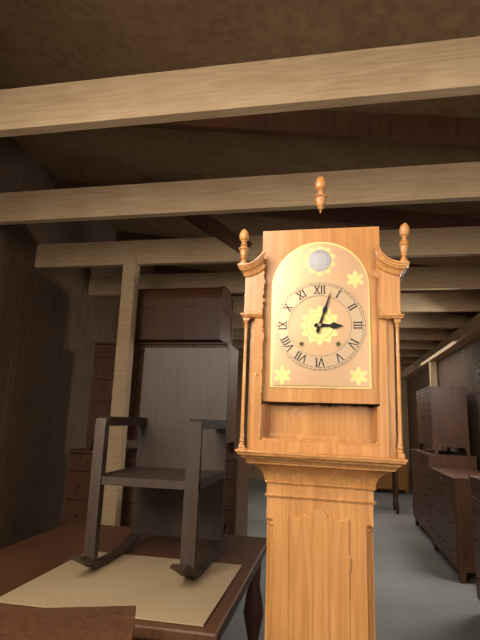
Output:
3:03
